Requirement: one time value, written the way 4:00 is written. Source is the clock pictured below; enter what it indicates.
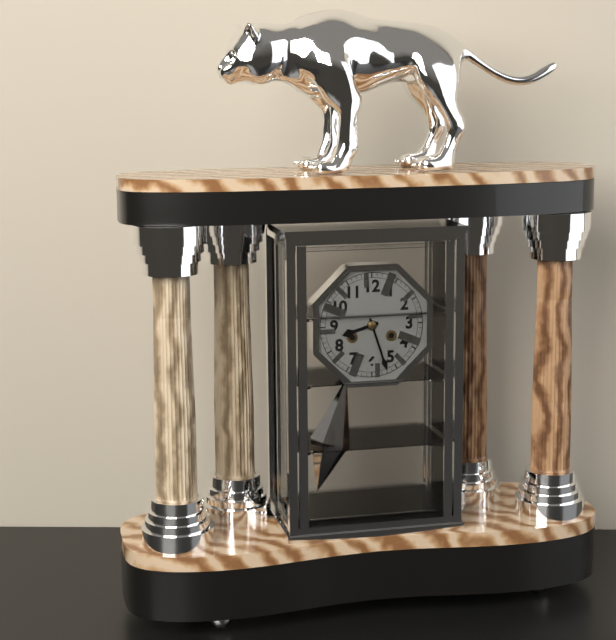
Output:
8:27
